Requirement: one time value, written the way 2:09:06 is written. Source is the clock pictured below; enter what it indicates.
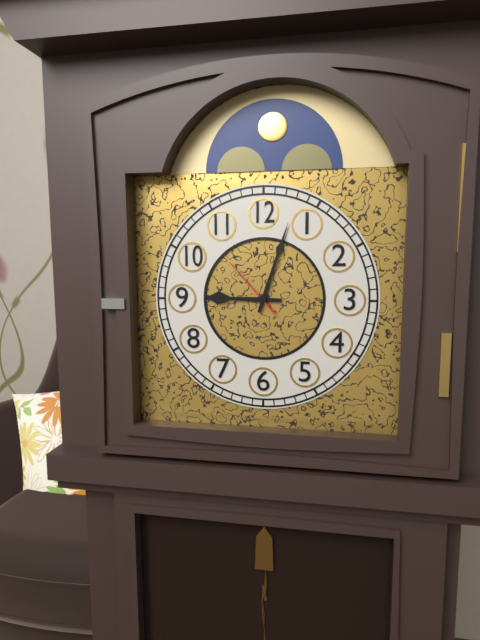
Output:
9:03:53
